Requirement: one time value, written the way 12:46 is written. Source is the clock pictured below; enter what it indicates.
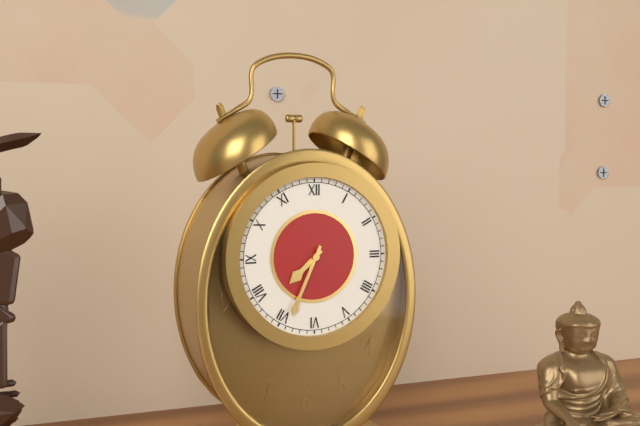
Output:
7:34
